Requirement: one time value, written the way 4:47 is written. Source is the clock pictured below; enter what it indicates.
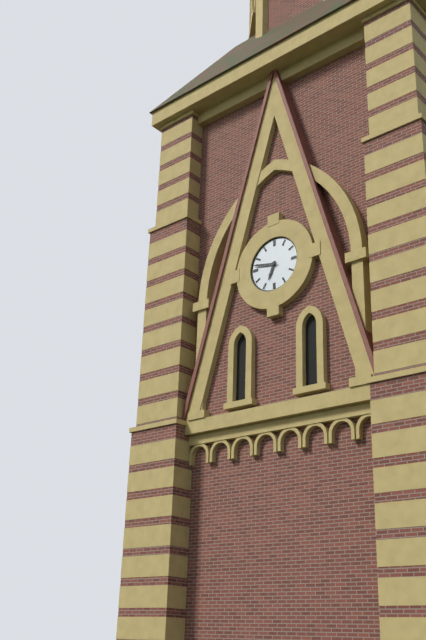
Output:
6:47
